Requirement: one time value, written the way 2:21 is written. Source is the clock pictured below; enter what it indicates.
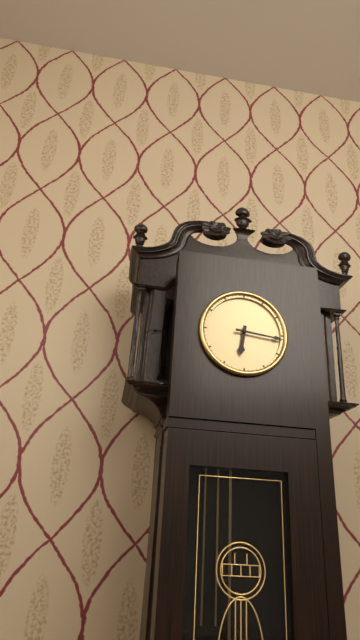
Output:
6:16
